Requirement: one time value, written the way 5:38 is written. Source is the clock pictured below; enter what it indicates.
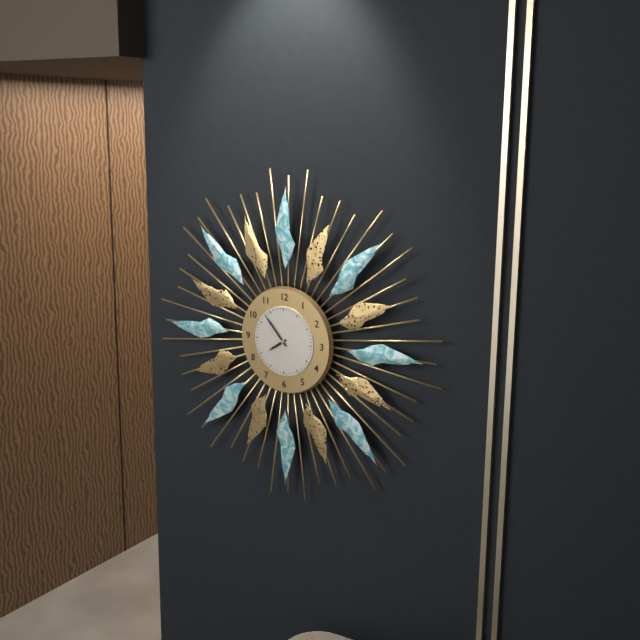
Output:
7:53
